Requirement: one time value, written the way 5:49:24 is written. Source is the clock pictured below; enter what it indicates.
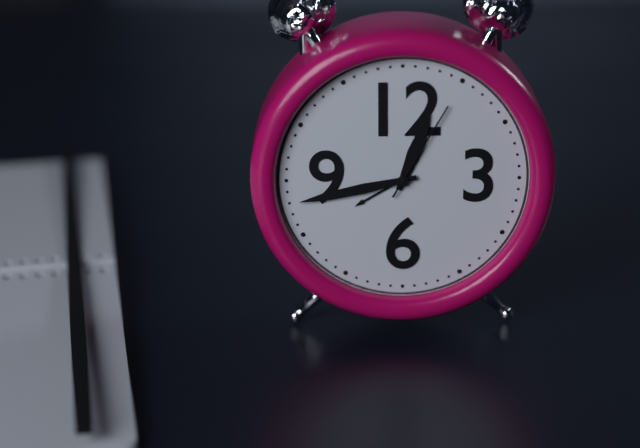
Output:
12:43:05
